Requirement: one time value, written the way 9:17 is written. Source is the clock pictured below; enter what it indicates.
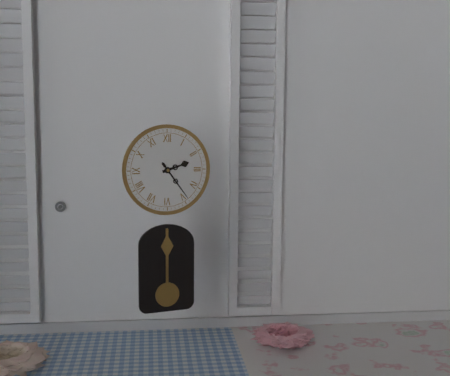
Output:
2:24
